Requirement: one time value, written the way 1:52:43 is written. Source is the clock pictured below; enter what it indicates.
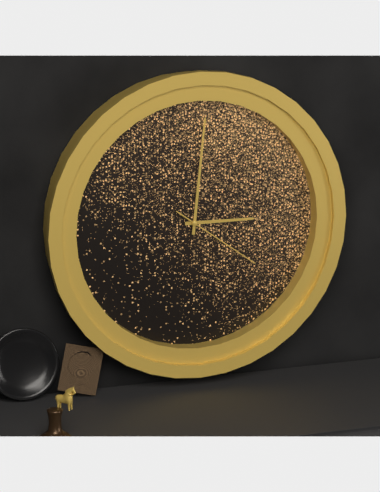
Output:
3:01:21
